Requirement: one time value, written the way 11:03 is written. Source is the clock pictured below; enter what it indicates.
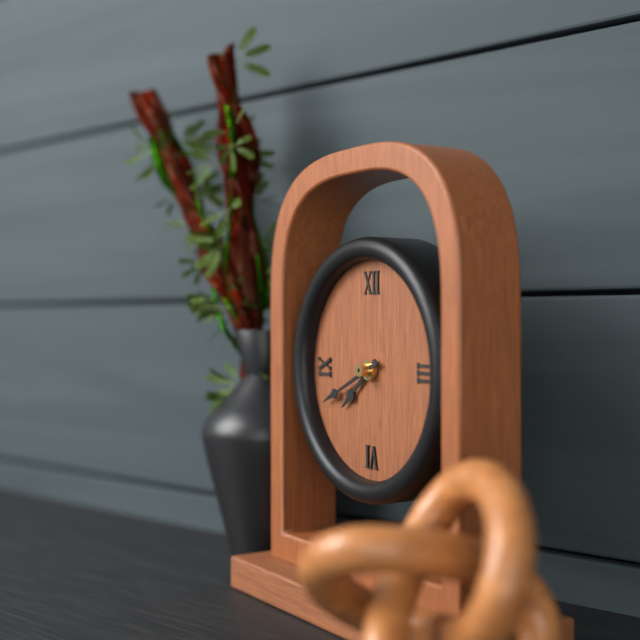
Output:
7:41
